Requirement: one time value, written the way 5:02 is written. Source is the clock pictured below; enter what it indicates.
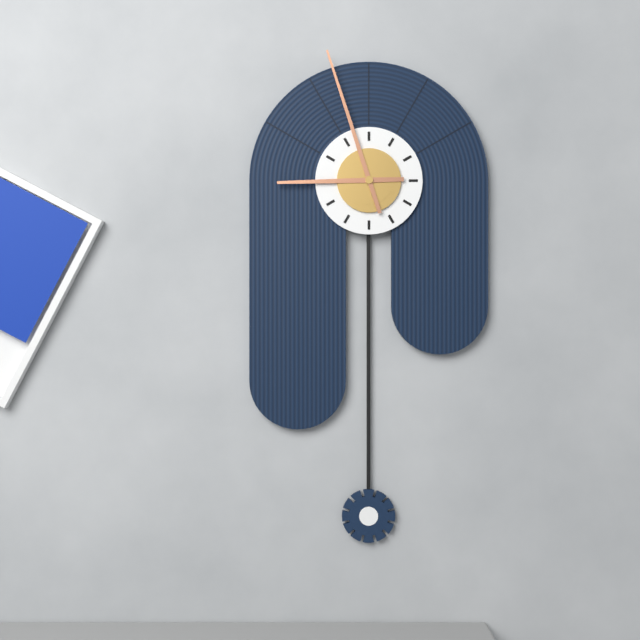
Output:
8:57
